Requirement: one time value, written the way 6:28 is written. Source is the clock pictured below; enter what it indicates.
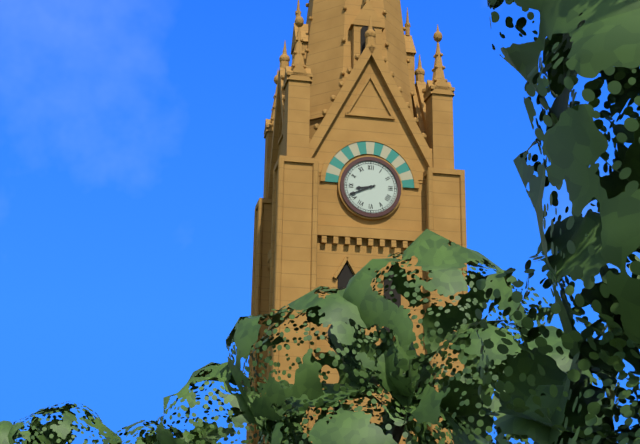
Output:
8:41
